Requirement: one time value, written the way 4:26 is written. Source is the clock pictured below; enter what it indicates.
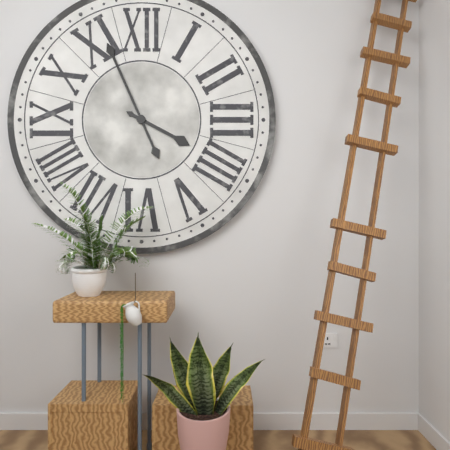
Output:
3:56
